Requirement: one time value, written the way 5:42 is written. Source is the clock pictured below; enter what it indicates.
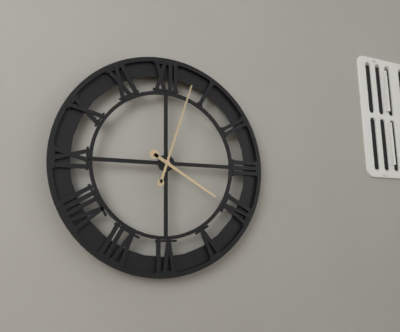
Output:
4:03
